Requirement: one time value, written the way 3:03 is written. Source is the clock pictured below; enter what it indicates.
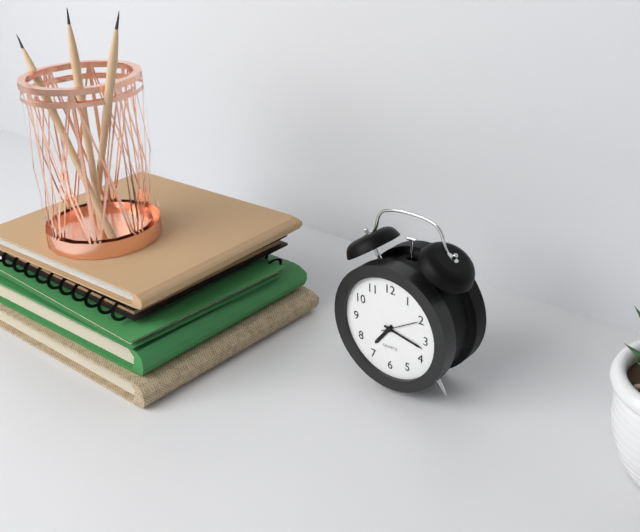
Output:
7:17
